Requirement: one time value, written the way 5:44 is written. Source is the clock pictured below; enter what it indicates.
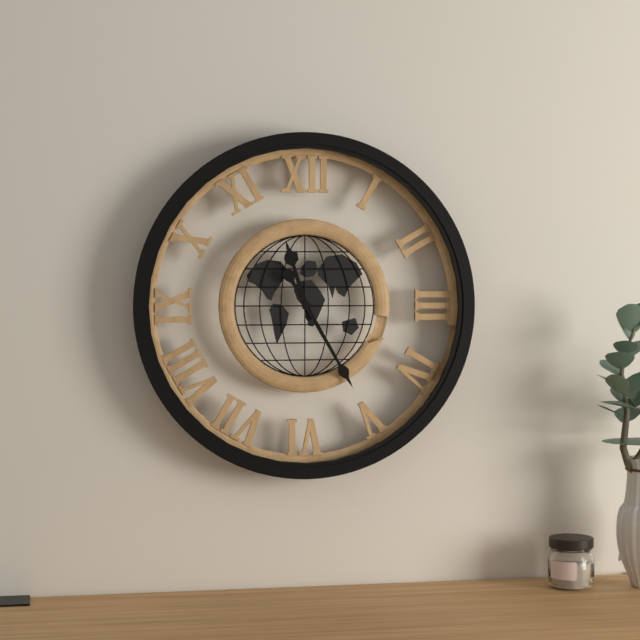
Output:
11:25
